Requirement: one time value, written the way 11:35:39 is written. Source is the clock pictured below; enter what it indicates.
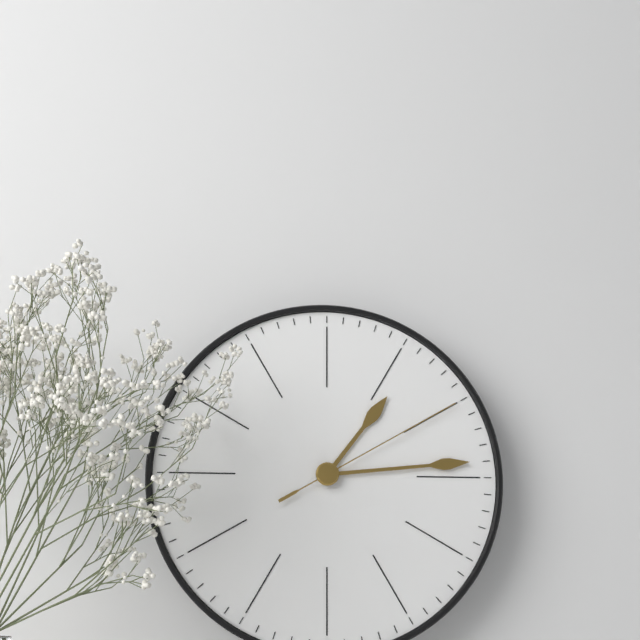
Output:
1:14:10
